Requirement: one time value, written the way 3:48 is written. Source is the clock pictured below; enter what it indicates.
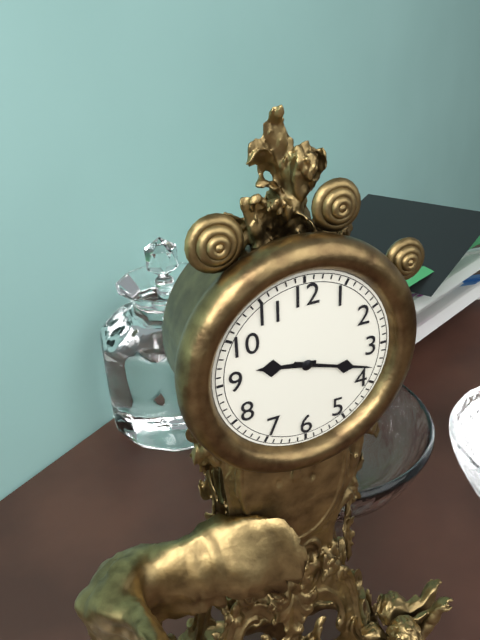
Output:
9:18
